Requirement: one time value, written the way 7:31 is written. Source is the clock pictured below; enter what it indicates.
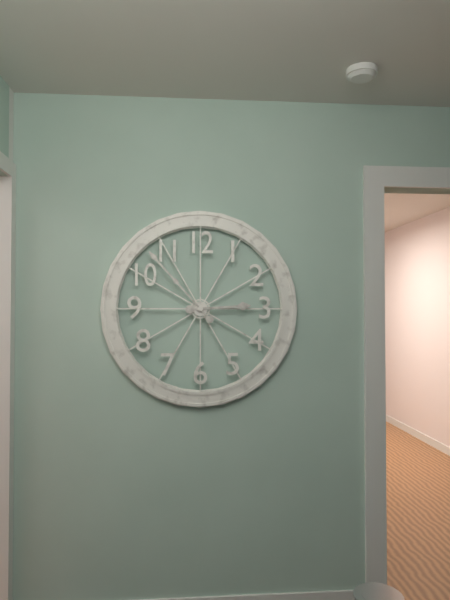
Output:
2:53
